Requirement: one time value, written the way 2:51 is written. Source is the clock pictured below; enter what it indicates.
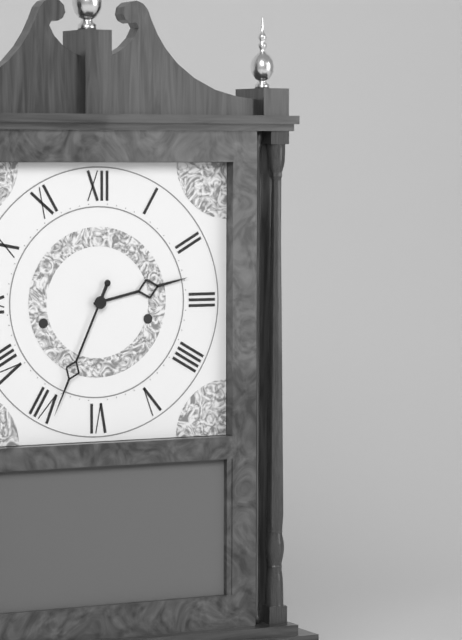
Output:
2:34
